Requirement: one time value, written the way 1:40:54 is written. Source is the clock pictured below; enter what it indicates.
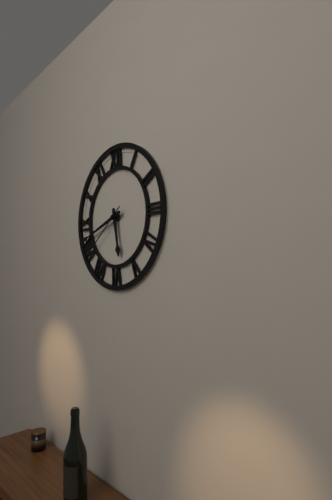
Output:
5:42:39
